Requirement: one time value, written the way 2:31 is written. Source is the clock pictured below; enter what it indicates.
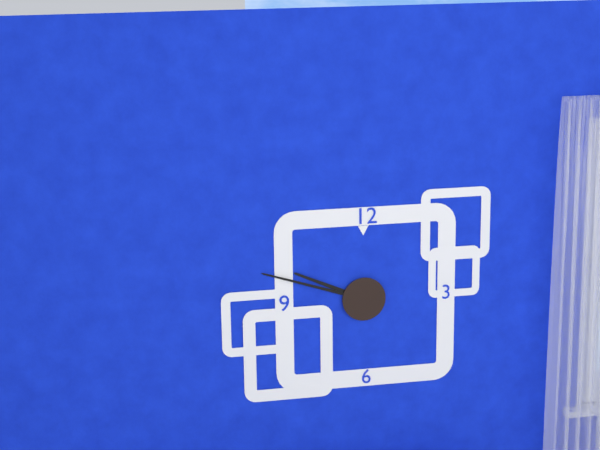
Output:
9:48
